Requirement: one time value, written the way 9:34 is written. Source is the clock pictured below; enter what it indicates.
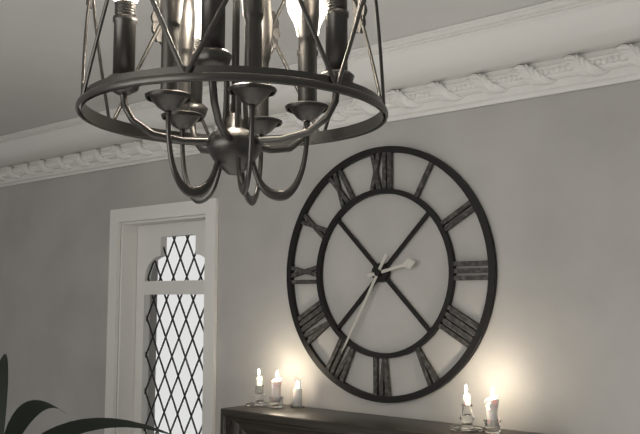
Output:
2:35
